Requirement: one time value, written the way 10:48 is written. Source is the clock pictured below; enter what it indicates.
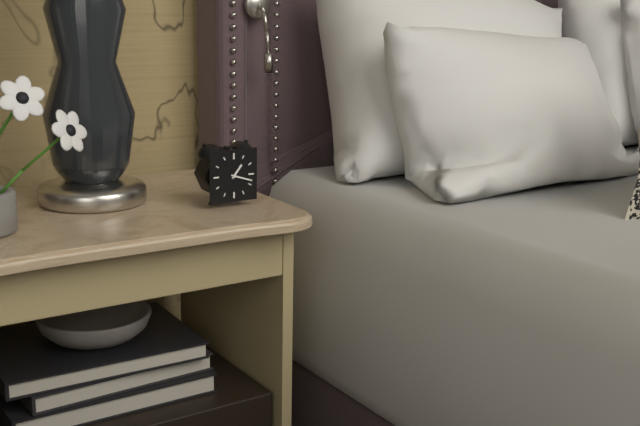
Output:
1:18
